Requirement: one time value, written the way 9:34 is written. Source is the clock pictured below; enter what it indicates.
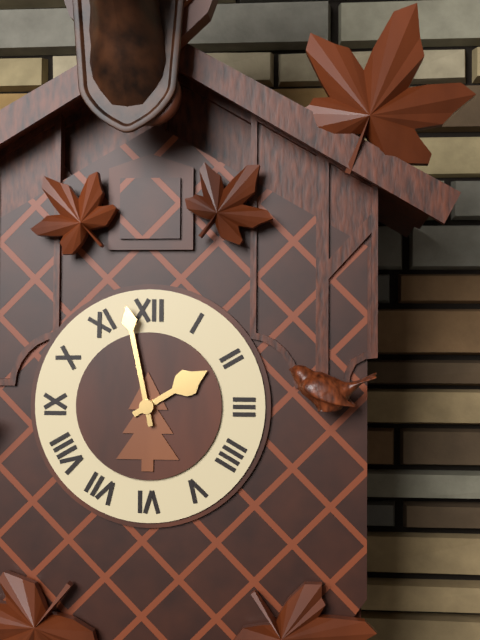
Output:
1:58
